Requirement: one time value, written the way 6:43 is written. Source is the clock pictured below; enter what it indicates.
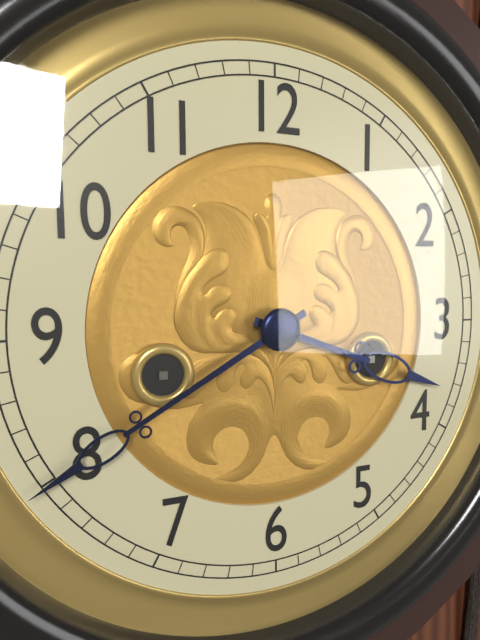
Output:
3:40
